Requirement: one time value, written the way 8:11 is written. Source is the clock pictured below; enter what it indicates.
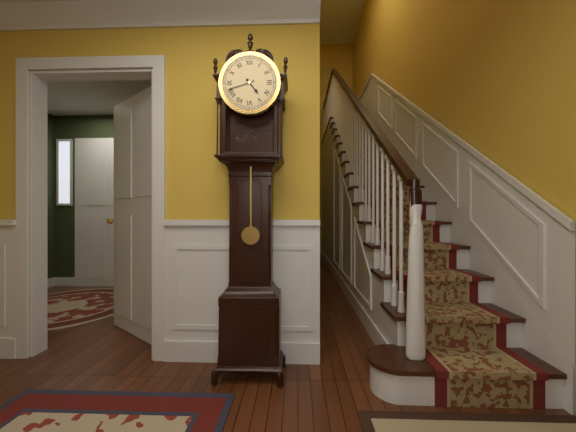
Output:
4:42
